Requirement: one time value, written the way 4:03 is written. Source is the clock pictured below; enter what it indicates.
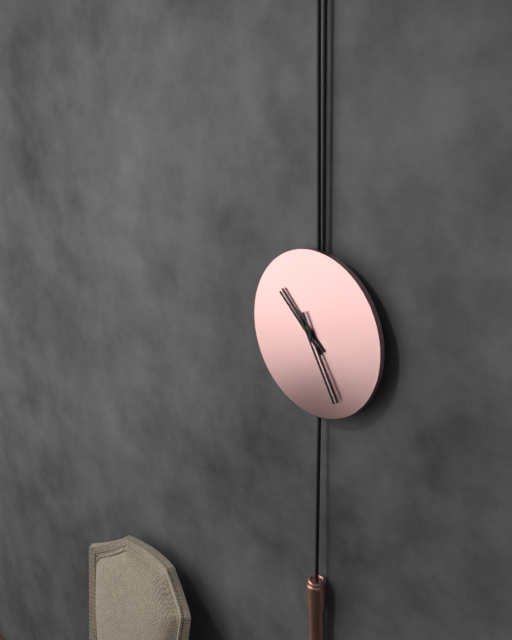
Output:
10:25
